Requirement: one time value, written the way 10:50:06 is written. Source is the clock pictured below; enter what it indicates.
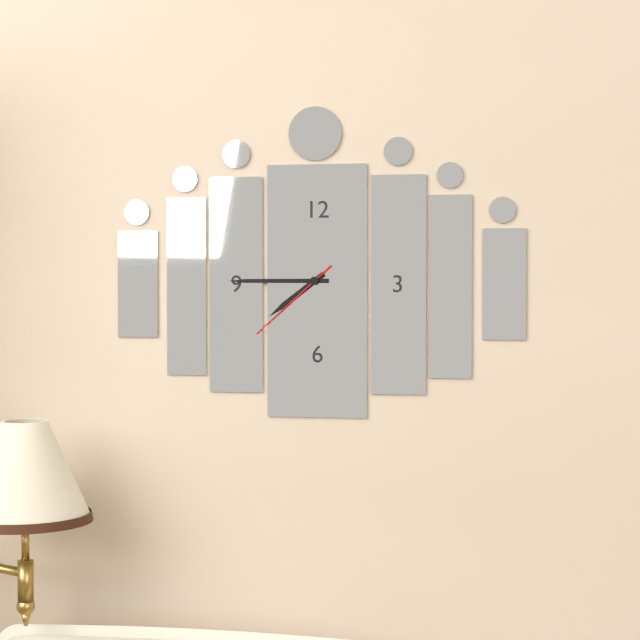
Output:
7:45:38
